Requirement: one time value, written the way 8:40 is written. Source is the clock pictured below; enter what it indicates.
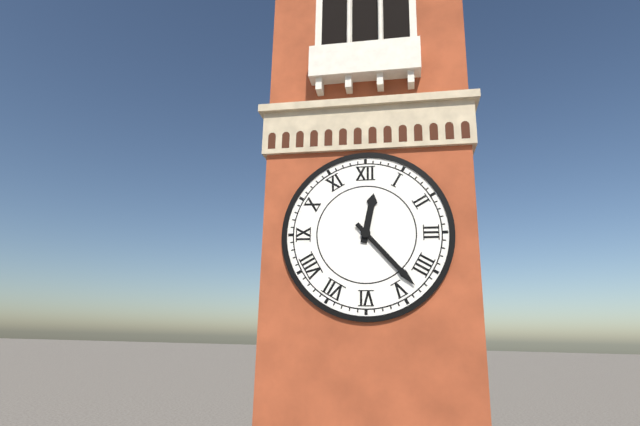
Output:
12:23
